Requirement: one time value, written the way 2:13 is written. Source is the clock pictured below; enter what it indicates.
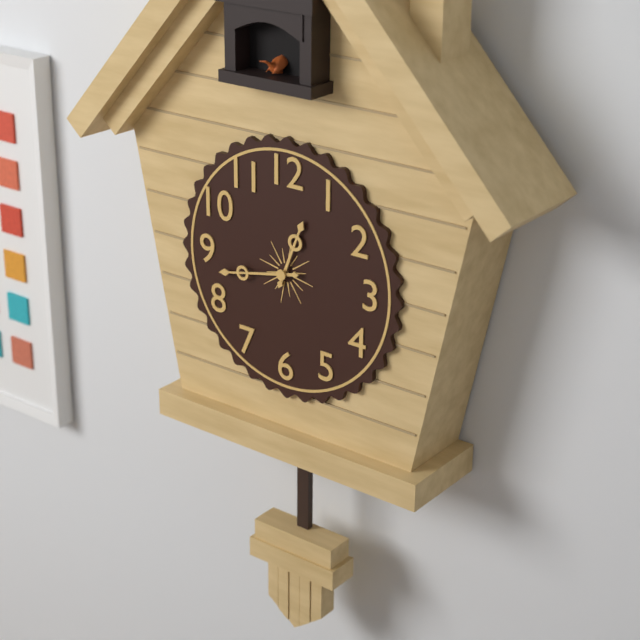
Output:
12:43
